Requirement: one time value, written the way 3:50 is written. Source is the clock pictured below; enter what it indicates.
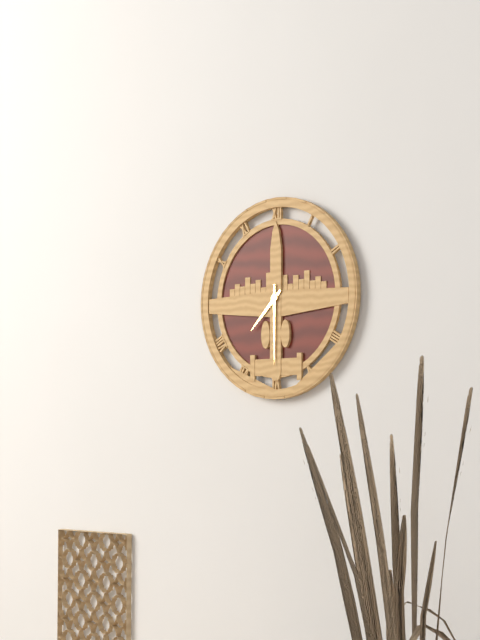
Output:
7:30
